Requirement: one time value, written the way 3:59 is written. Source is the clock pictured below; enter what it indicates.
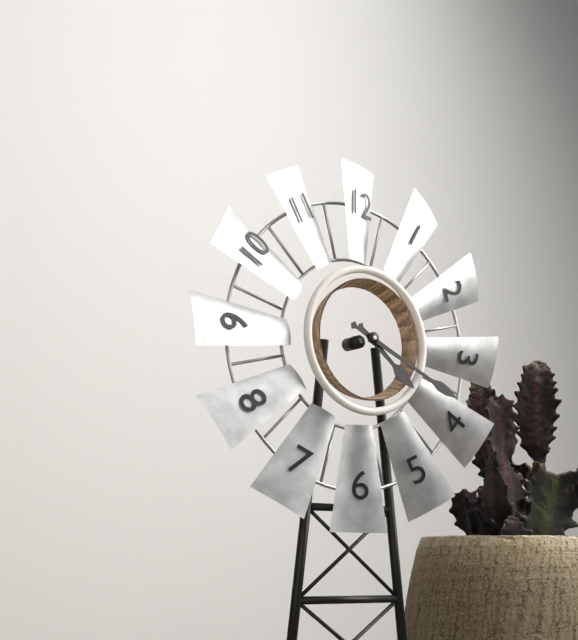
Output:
4:19
